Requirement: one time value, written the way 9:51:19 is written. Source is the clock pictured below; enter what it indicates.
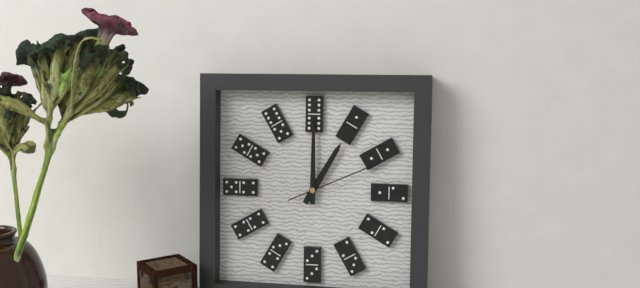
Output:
1:00:11
